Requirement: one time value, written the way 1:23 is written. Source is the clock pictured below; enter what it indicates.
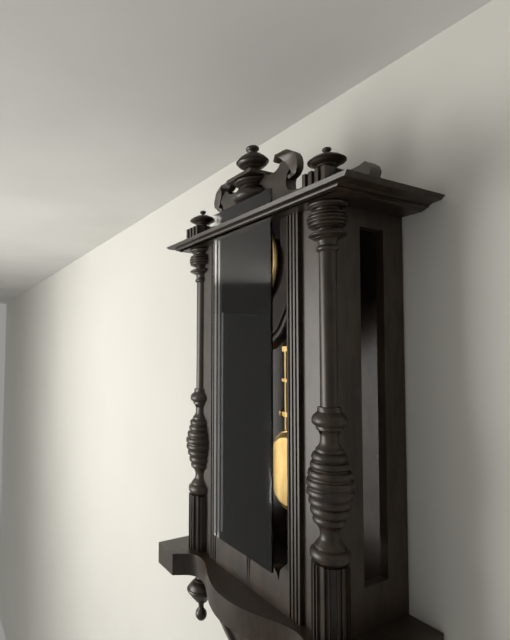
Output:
4:01
